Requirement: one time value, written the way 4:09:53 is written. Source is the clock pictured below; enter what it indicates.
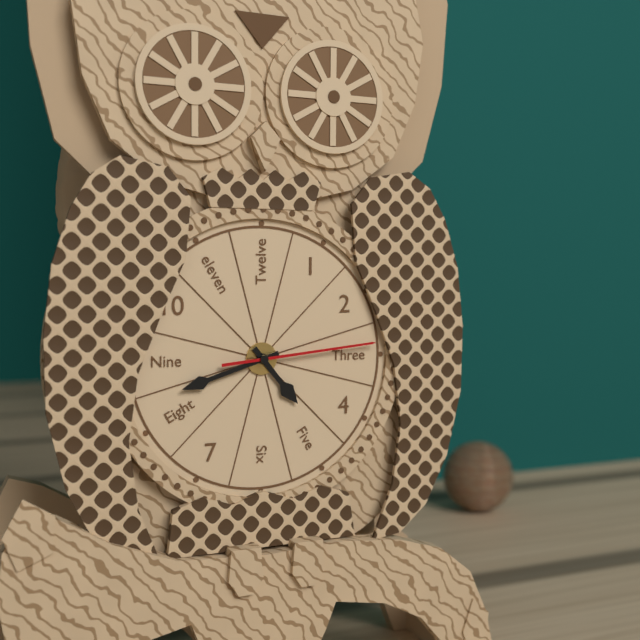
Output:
4:42:14
